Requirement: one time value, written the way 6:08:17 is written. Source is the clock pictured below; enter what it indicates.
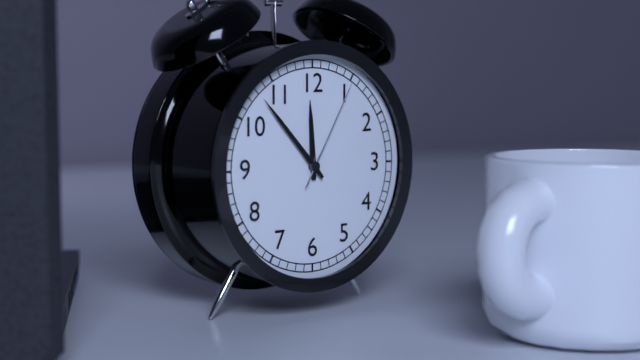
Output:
11:53:05
